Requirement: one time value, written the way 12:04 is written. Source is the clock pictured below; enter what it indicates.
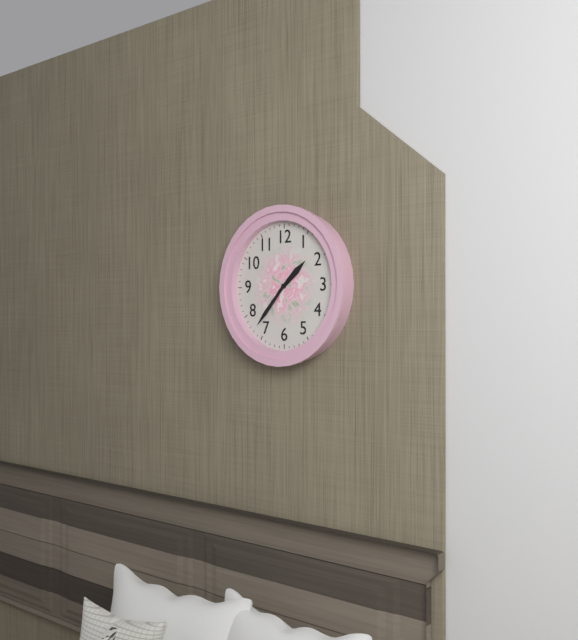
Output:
1:37
